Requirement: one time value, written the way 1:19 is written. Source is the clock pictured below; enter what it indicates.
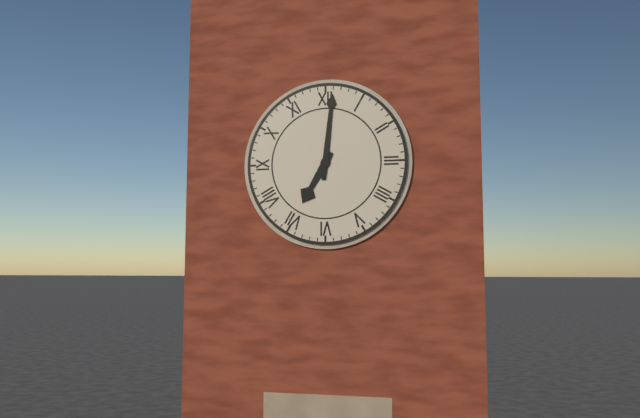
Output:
7:01
